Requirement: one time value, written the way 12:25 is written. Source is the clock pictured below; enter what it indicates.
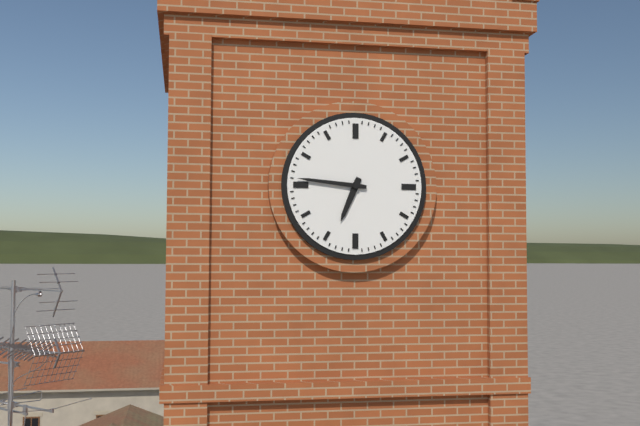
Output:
6:46
